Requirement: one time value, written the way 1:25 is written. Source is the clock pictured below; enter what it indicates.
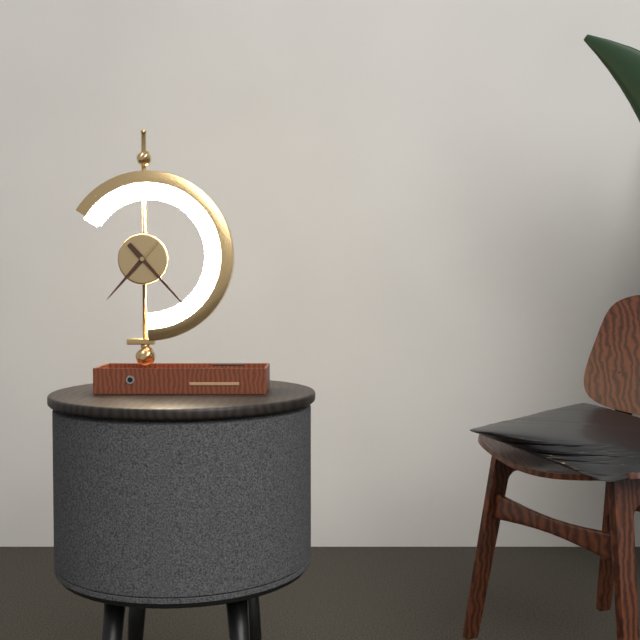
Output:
7:23
